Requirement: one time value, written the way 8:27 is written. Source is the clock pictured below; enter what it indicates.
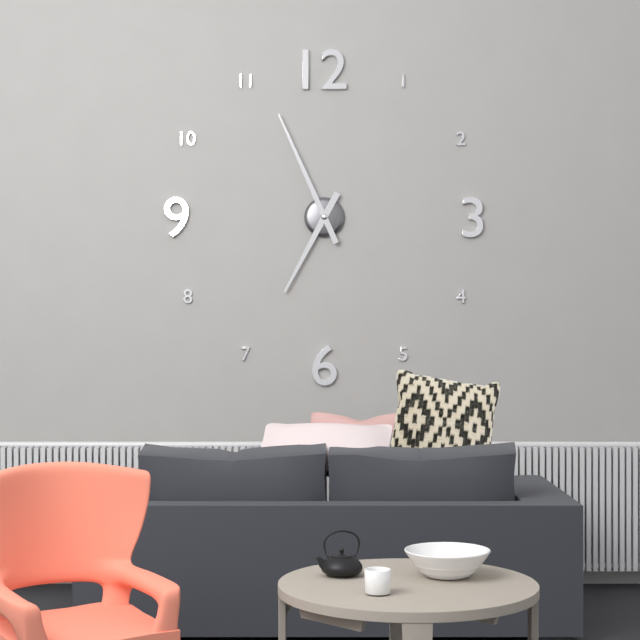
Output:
6:56
